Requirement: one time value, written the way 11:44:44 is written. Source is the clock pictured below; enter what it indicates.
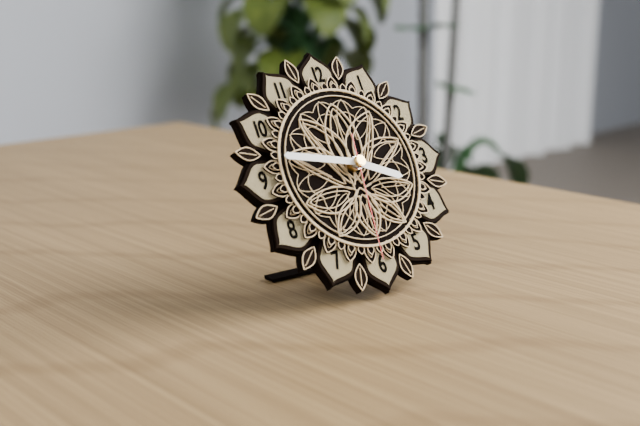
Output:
3:47:31
